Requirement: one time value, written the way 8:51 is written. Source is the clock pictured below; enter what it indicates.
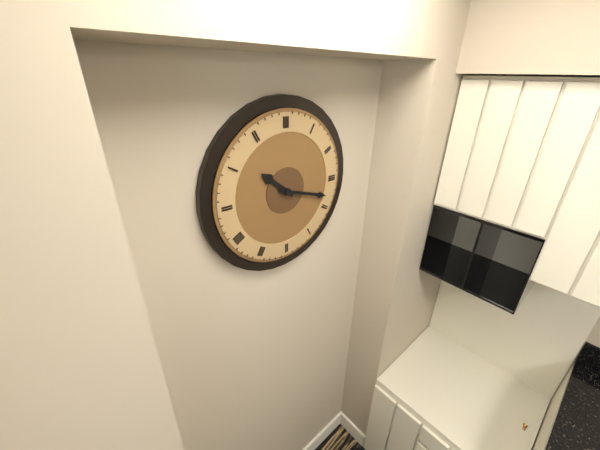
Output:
10:18
